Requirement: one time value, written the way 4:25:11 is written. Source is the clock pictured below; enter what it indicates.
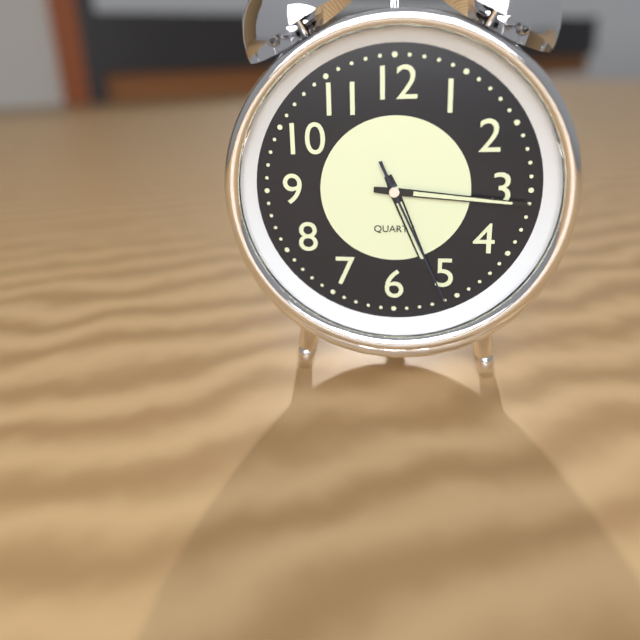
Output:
5:16:26
